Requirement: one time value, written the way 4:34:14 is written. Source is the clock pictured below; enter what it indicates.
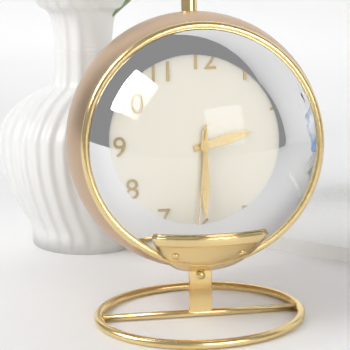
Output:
2:30:31
